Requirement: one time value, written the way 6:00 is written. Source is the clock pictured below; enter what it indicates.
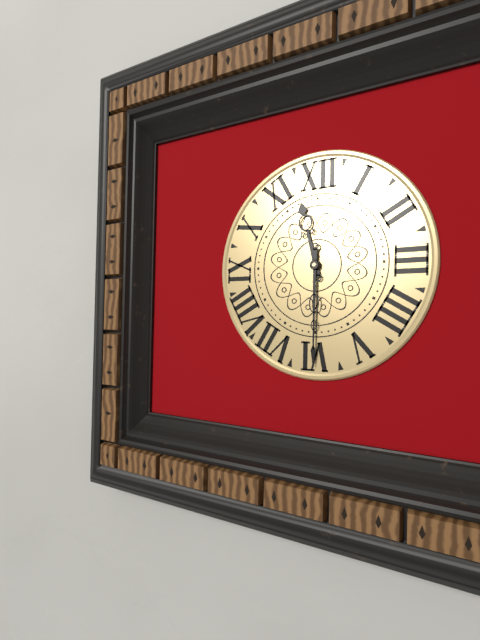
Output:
11:30
